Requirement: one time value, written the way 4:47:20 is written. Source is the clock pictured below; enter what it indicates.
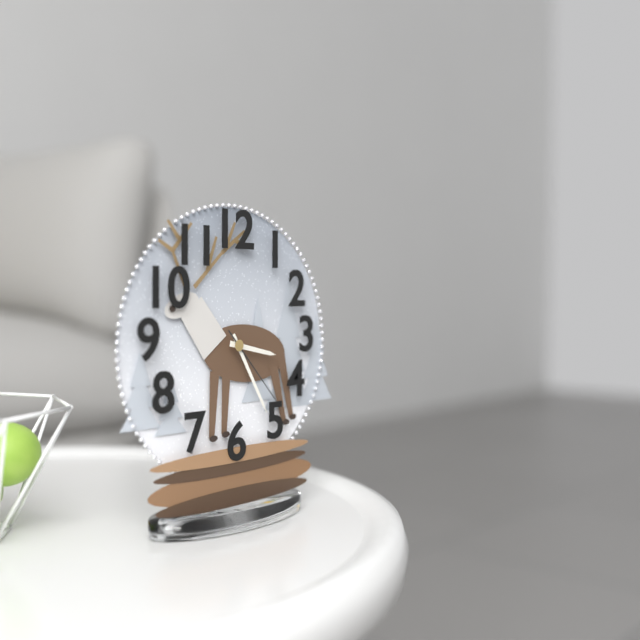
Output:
3:25:23
